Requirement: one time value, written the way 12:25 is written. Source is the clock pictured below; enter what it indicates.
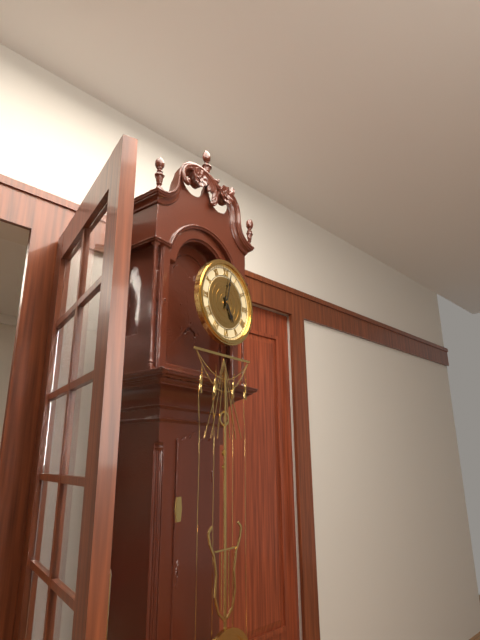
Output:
5:02
